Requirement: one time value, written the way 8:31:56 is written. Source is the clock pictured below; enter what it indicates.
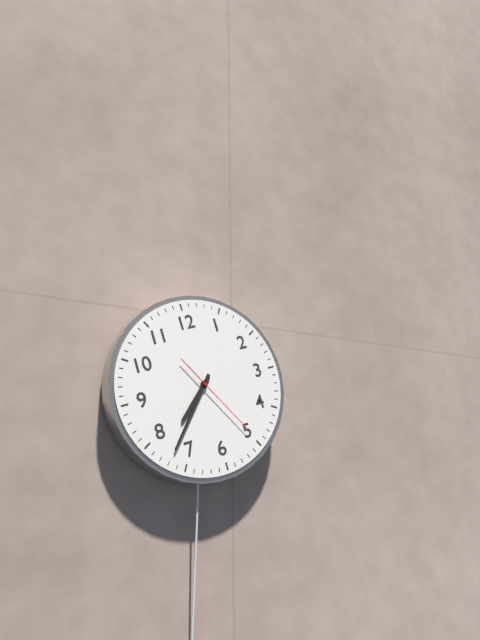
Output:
7:37:25
